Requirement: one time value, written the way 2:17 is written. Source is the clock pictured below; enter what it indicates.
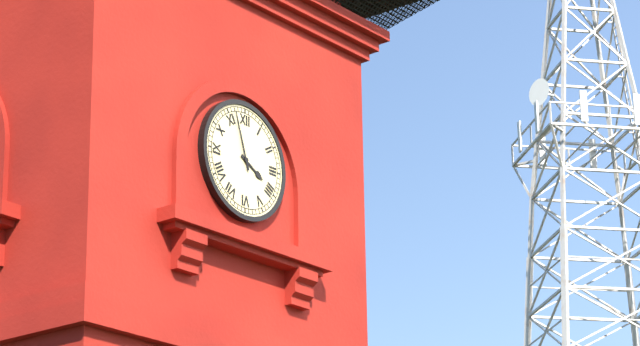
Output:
3:57
